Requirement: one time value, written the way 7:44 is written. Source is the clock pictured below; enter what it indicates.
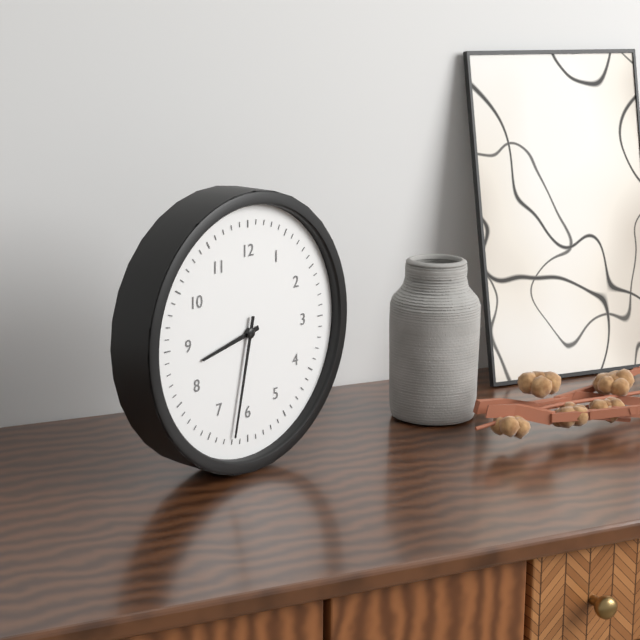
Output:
8:32
